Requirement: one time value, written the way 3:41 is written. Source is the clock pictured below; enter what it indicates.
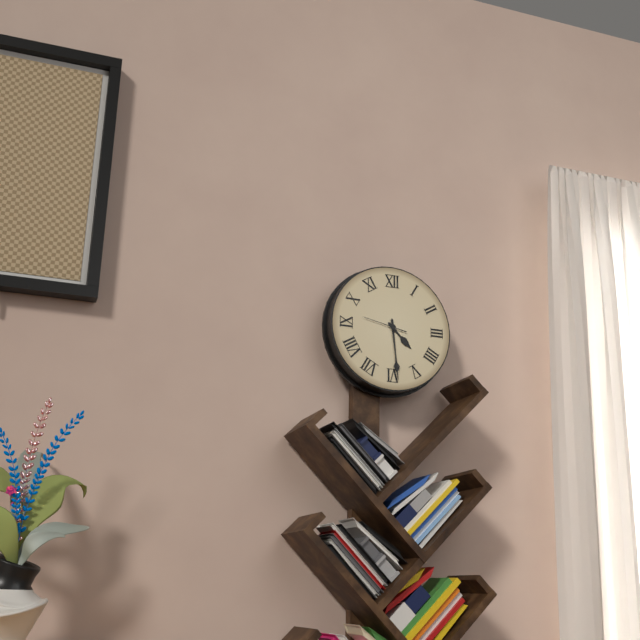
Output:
4:29
